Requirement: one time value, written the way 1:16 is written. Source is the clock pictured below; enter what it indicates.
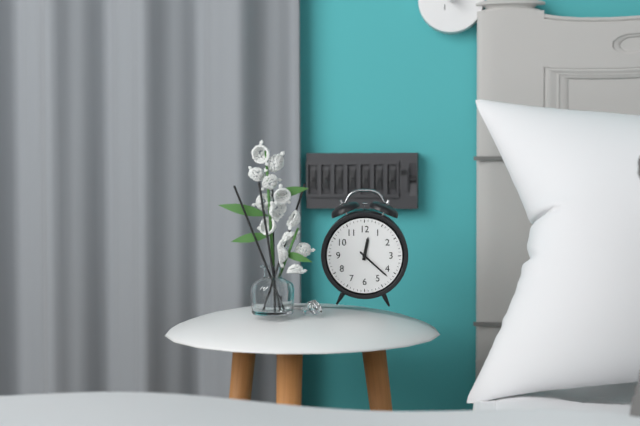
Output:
12:22
